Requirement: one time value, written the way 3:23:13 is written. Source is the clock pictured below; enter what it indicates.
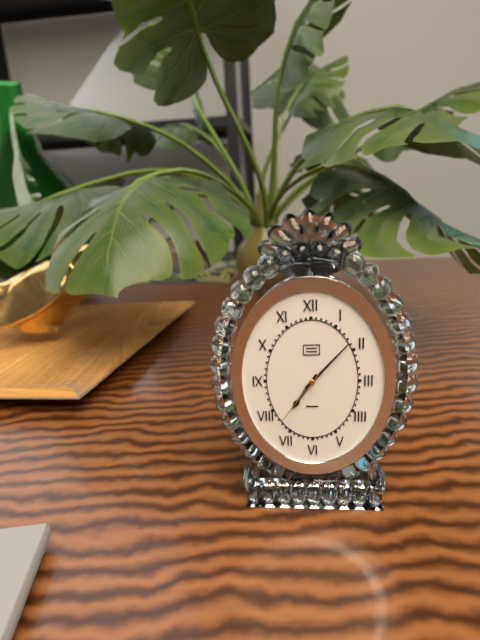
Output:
7:07:36
